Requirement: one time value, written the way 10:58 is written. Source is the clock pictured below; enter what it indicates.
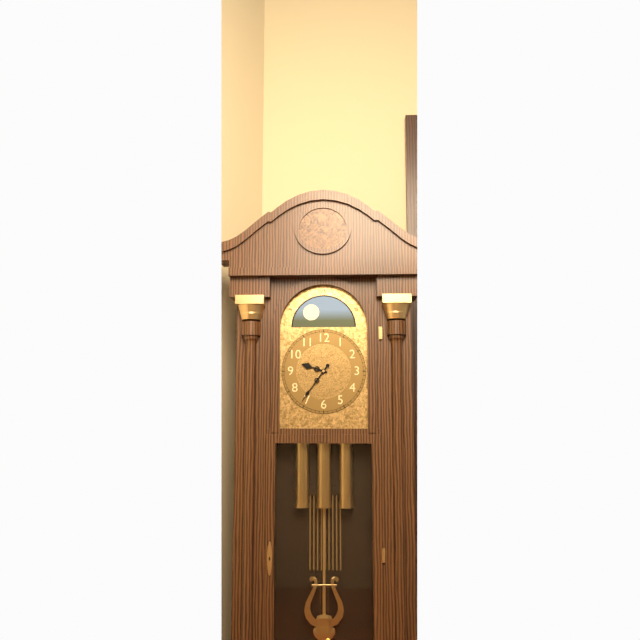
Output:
9:36
